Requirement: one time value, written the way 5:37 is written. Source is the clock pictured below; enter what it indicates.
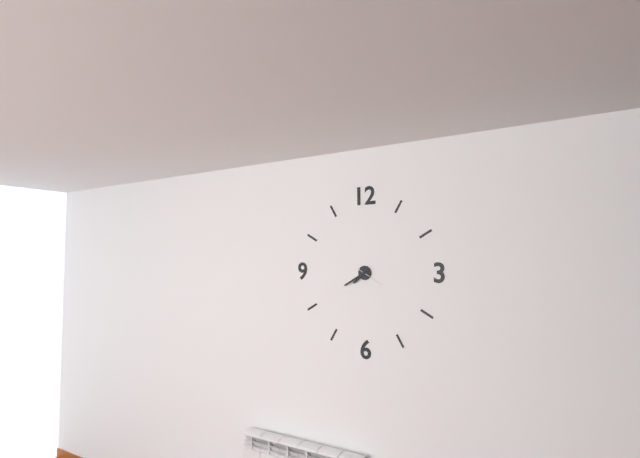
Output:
7:40
